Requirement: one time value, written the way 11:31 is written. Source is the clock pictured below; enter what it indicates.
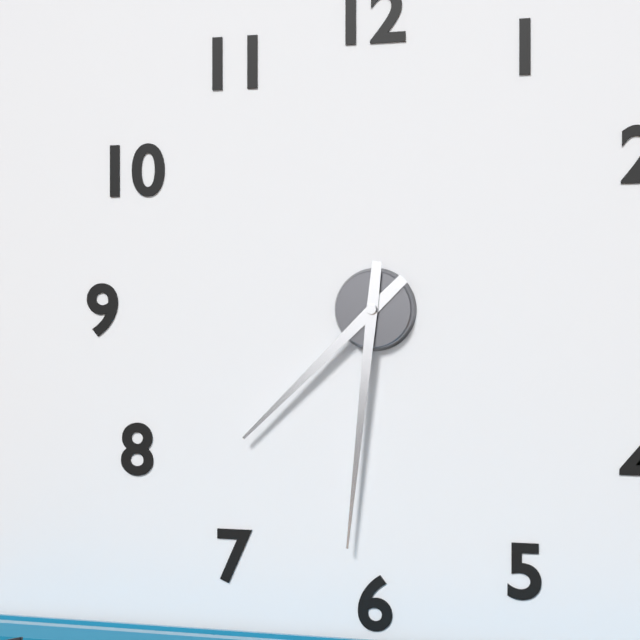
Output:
7:31
